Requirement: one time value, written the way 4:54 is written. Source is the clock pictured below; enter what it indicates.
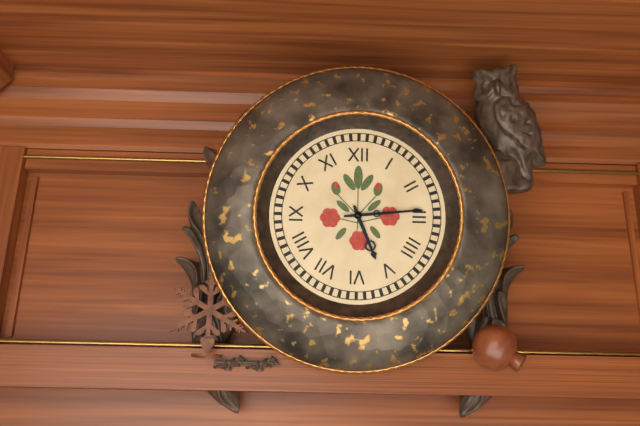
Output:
5:14
